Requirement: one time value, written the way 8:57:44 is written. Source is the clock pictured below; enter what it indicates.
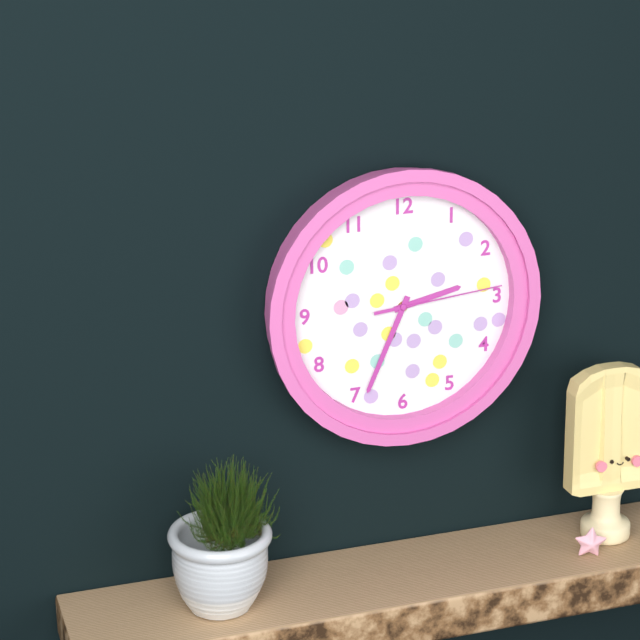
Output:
2:34:14
